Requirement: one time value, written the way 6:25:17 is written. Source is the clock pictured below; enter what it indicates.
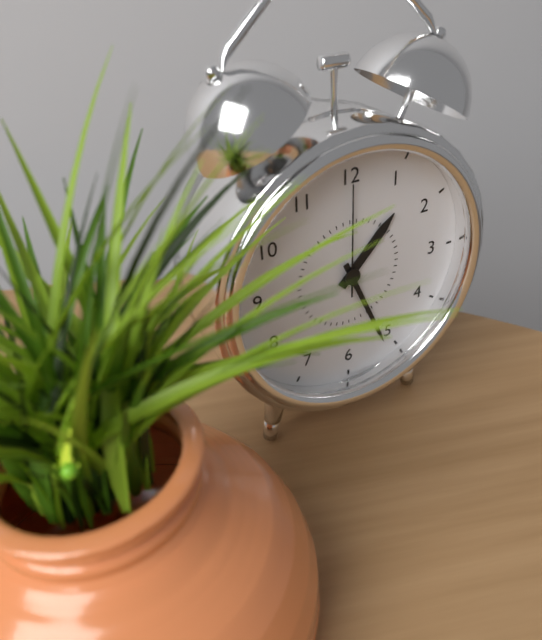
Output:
1:26:00
